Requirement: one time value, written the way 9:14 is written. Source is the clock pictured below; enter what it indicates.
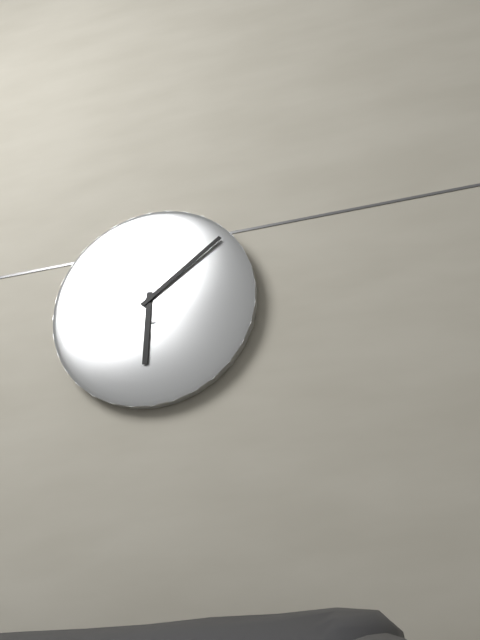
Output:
6:09
